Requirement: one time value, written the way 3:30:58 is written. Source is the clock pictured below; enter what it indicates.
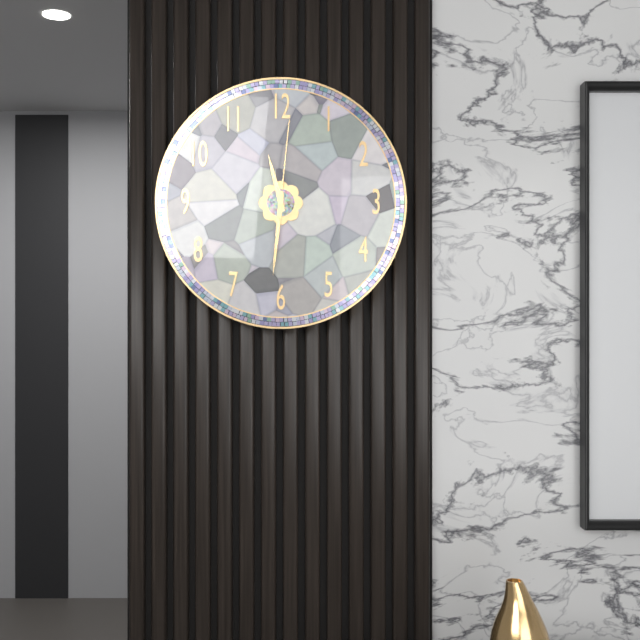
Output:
11:31:01
